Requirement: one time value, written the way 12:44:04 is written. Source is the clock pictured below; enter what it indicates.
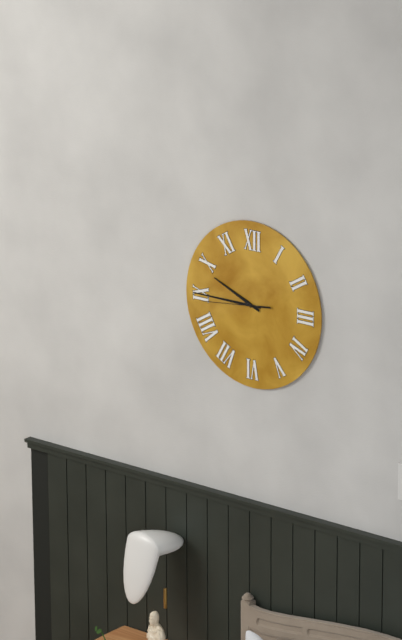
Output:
9:45:44
